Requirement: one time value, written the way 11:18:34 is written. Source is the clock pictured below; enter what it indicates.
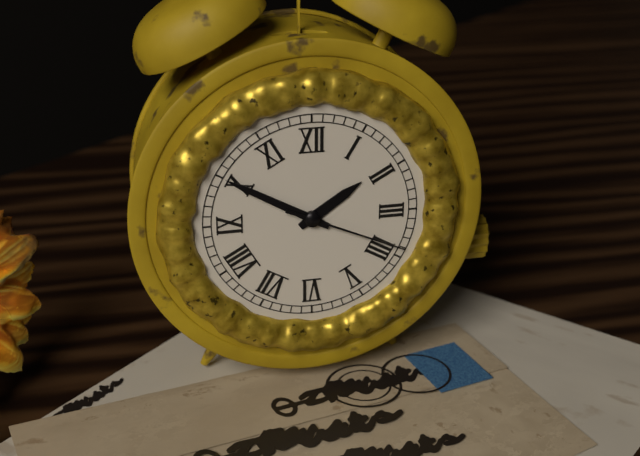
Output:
1:50:19
